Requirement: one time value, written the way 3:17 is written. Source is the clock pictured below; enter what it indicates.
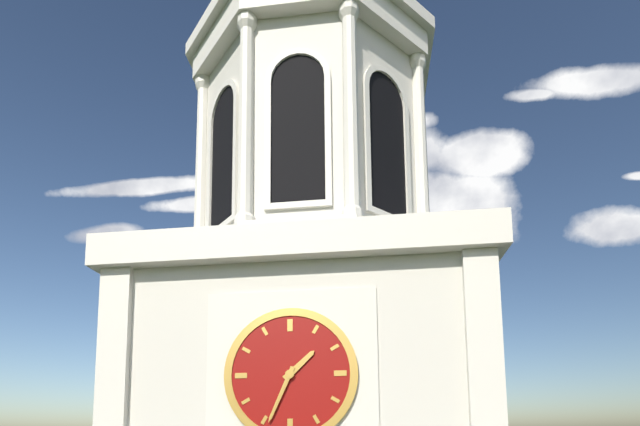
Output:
1:34
